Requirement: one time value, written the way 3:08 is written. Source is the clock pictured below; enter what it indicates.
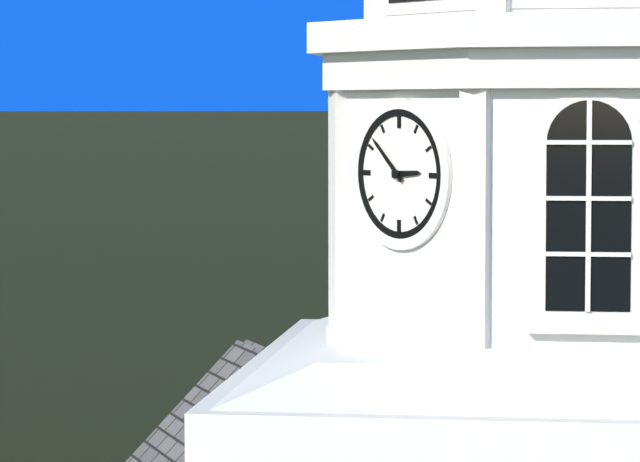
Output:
2:52
